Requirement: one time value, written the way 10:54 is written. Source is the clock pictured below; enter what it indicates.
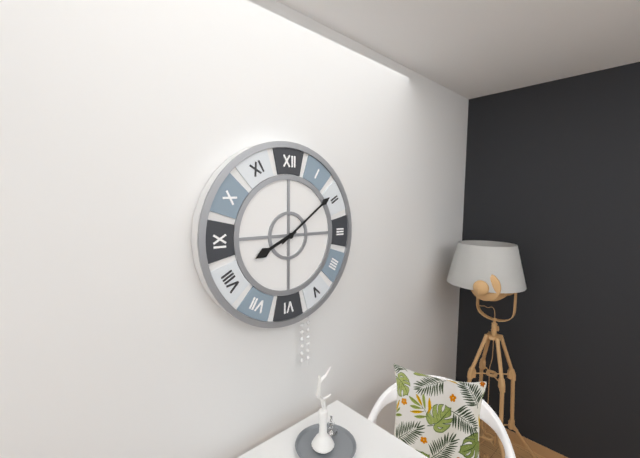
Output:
8:09
